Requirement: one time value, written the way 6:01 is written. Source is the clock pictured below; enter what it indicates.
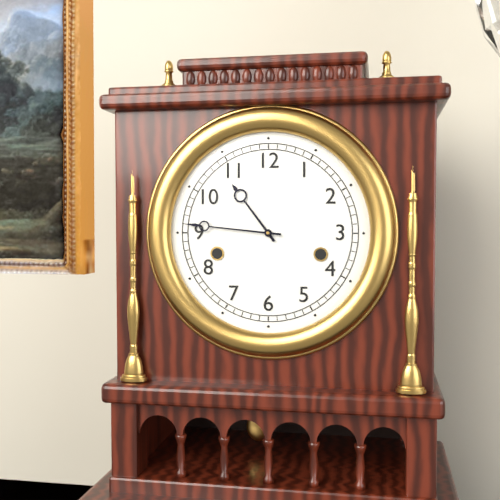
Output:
10:46
